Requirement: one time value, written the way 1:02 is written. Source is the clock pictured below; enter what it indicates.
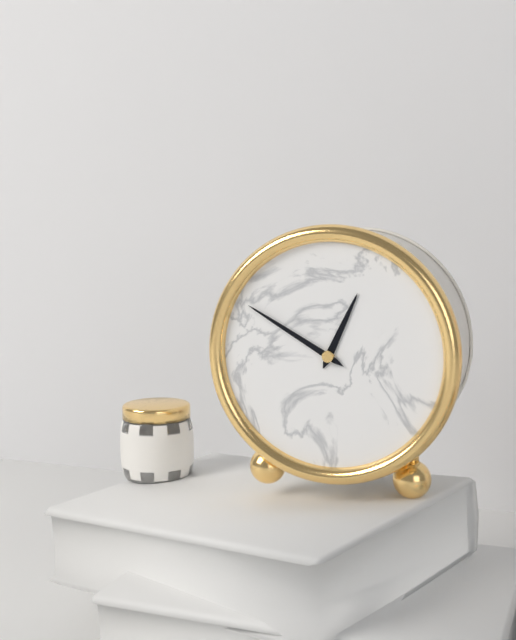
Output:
12:50
